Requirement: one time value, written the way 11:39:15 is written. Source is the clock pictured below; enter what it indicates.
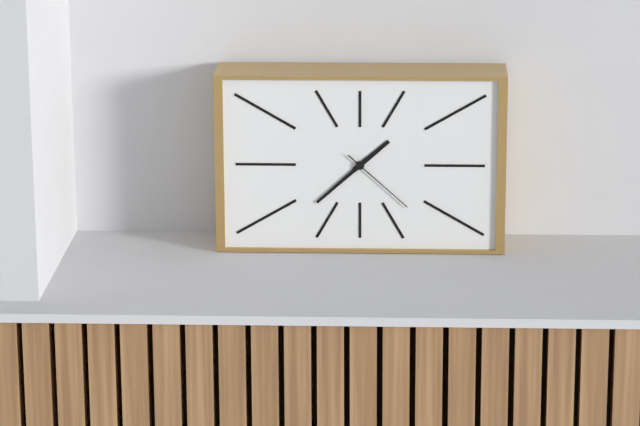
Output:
1:38:22
